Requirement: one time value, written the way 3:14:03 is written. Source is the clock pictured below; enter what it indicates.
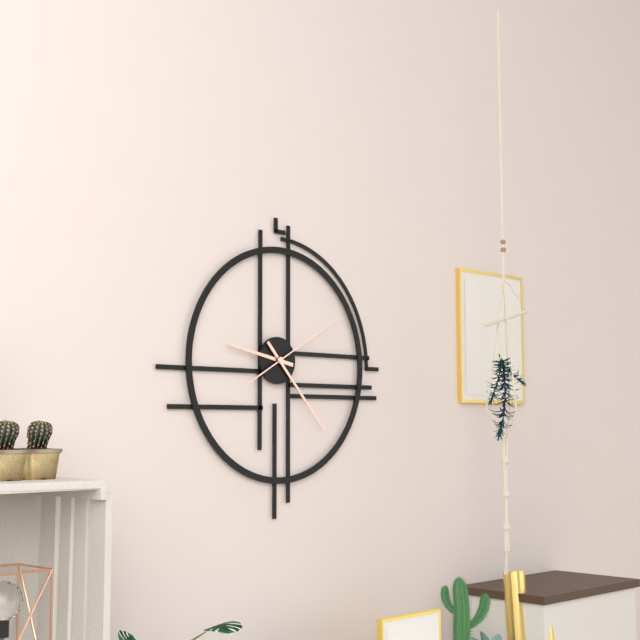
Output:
9:23:10
